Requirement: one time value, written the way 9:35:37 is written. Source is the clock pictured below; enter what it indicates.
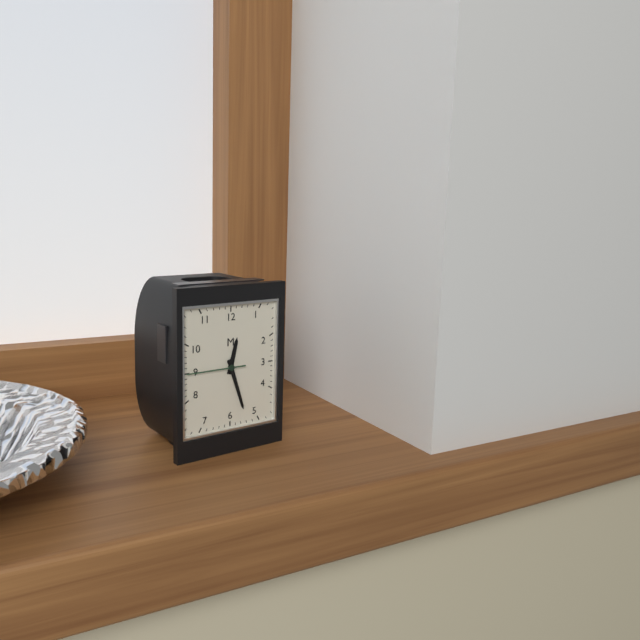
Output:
12:27:45
